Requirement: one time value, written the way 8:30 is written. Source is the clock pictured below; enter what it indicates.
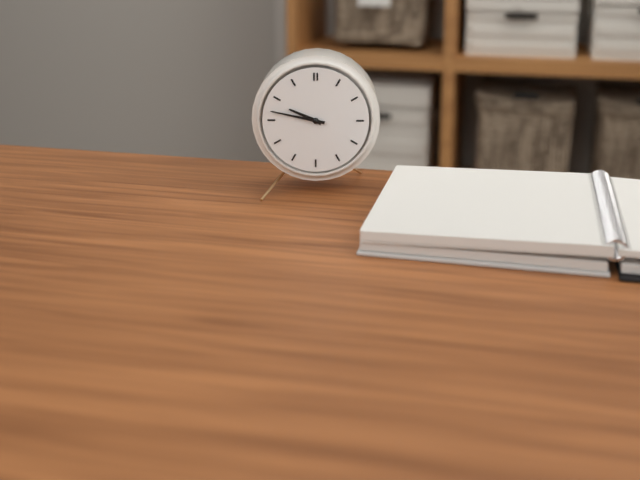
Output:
9:47
